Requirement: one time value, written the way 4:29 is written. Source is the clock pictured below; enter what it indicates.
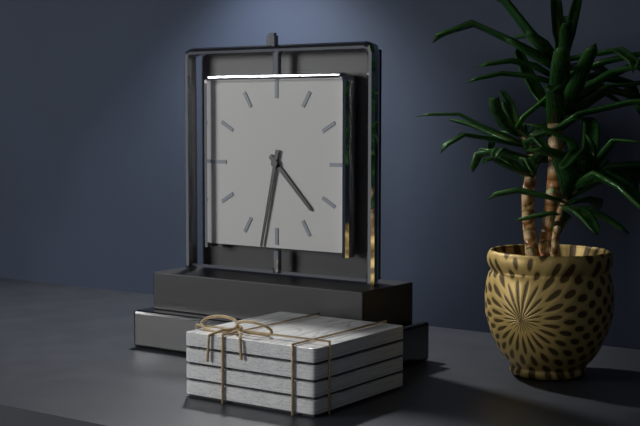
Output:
4:32
